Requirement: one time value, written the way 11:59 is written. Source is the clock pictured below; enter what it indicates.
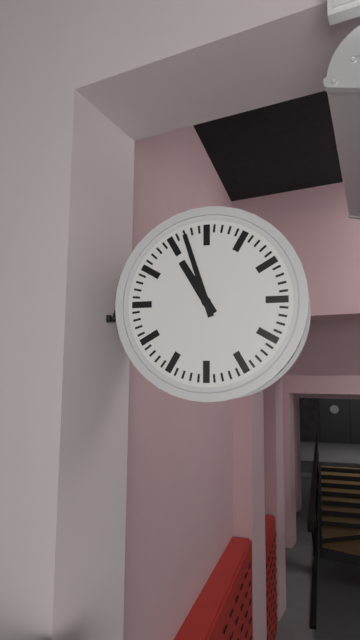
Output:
10:57
